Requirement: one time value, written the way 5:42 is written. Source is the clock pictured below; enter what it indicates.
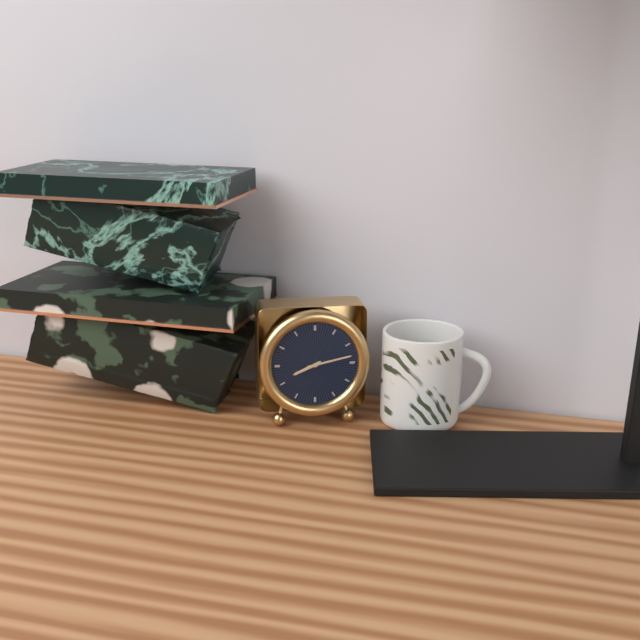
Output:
8:13
